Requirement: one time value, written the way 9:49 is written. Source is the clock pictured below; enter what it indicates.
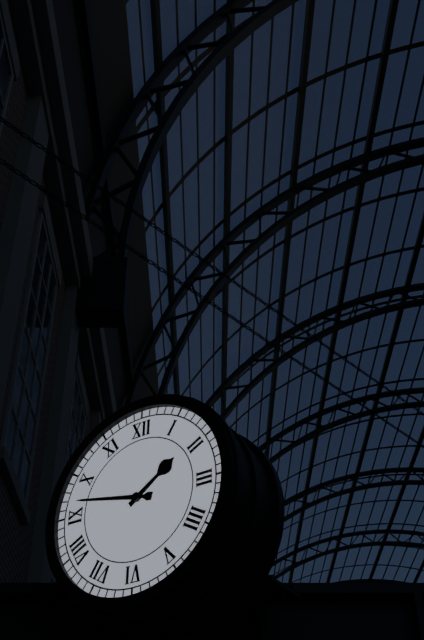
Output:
1:47
